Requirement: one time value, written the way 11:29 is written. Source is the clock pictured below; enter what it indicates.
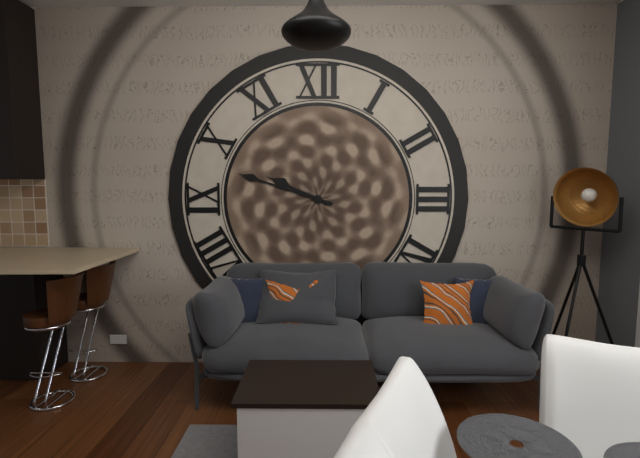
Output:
9:48
